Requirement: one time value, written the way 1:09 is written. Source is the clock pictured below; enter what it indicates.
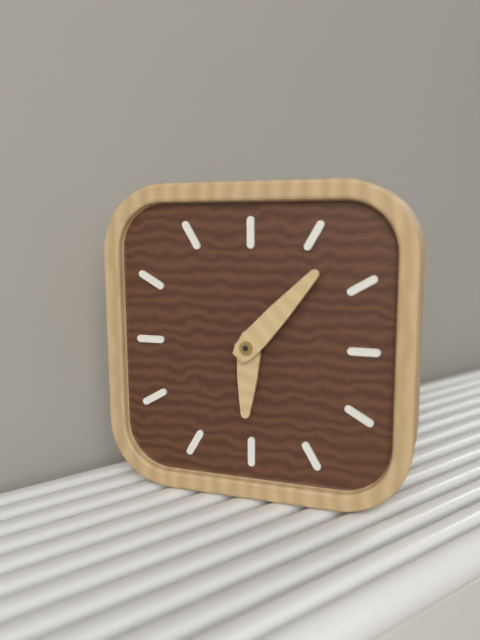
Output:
6:07
